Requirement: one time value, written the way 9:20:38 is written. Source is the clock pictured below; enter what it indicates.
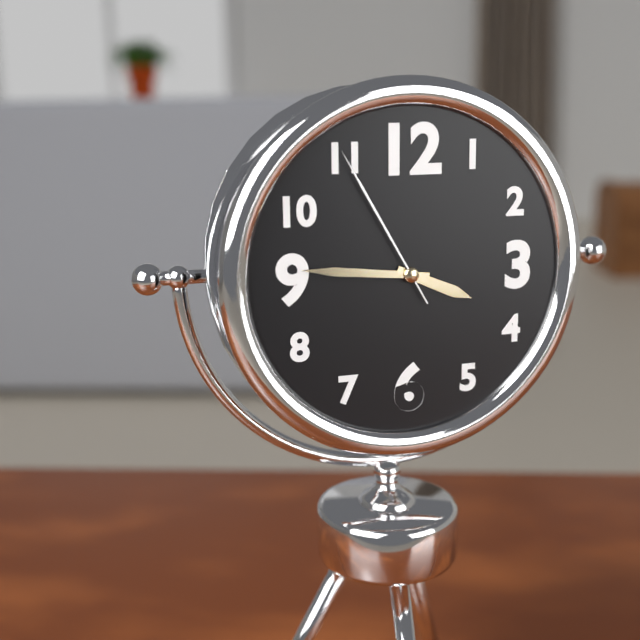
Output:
3:46:55
